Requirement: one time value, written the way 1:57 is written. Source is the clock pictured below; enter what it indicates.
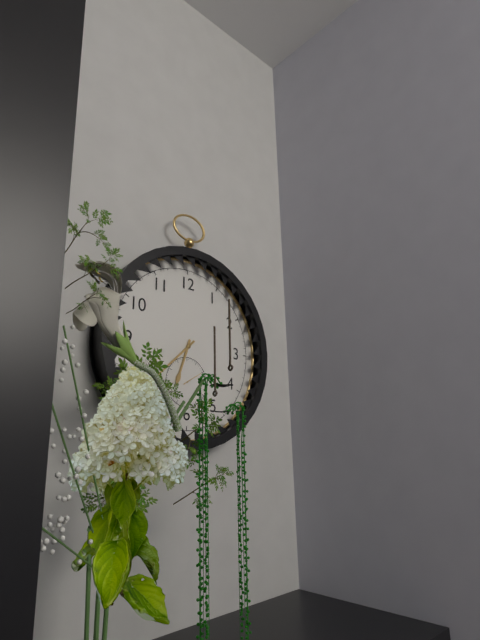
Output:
6:38
